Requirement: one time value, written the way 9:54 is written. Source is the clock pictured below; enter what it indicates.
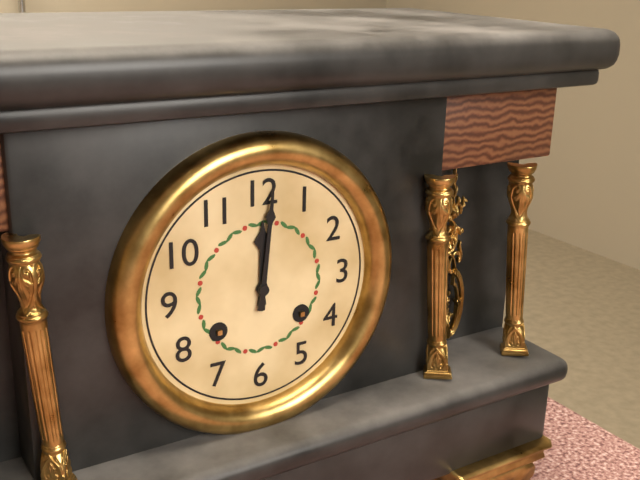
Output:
12:01
